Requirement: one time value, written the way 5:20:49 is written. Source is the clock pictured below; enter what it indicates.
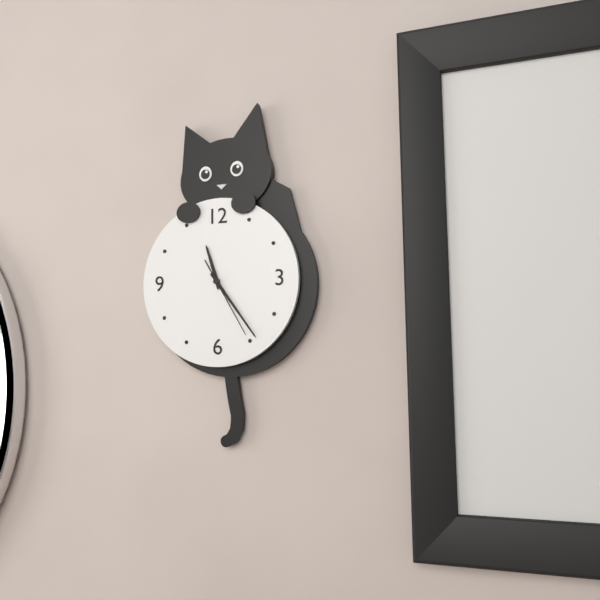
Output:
11:24:25
